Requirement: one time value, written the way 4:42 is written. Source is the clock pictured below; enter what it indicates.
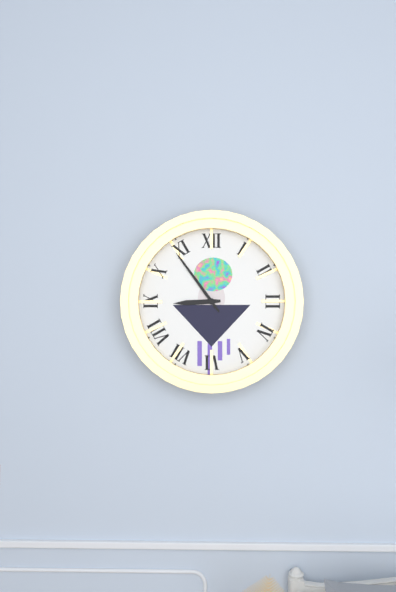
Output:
8:54
